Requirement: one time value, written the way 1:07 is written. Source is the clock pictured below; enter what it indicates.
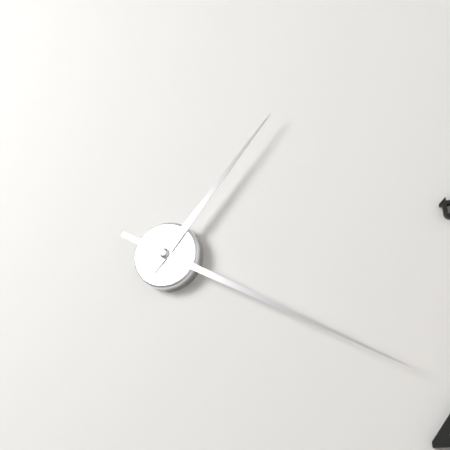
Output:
1:20
